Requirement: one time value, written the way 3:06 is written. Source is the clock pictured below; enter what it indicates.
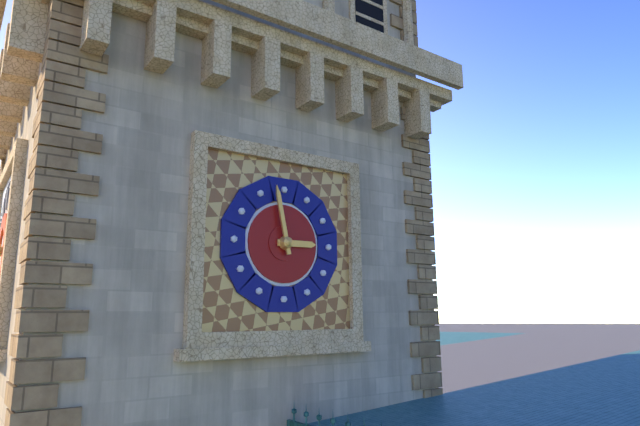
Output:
2:58
